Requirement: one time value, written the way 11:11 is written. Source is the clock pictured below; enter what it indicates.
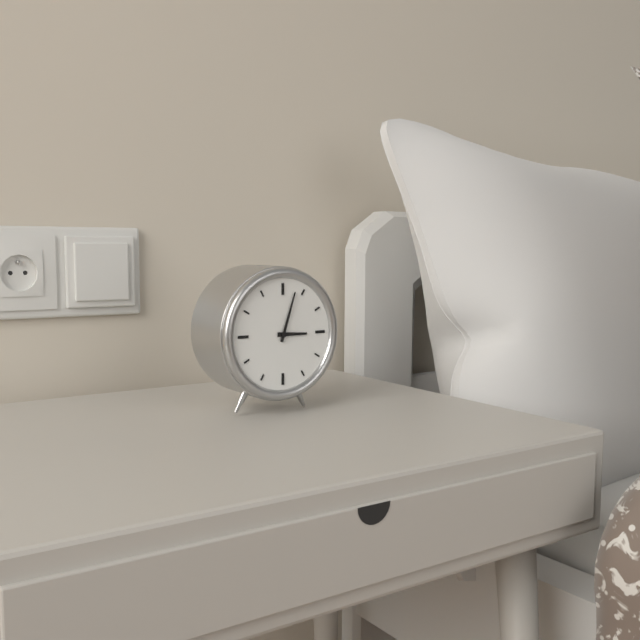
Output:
3:03
